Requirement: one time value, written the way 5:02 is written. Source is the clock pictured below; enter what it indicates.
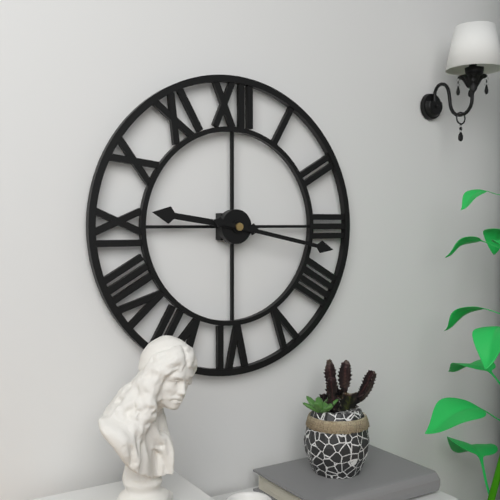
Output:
9:17
